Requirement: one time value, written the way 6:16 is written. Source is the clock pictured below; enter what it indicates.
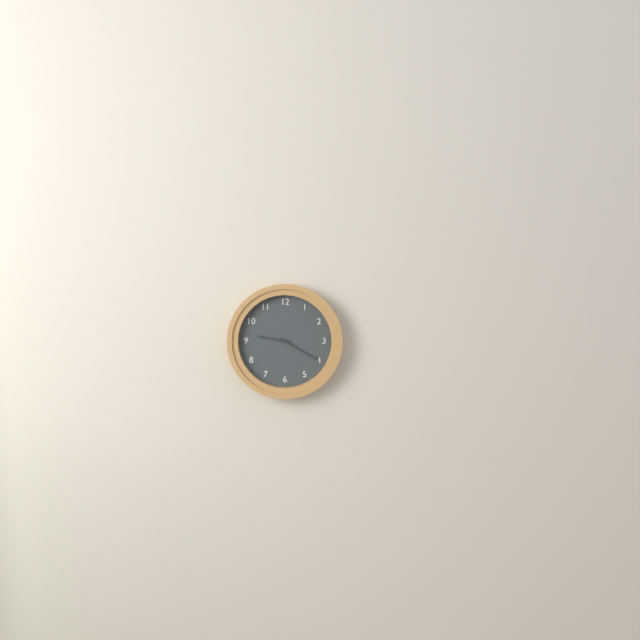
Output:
9:20
